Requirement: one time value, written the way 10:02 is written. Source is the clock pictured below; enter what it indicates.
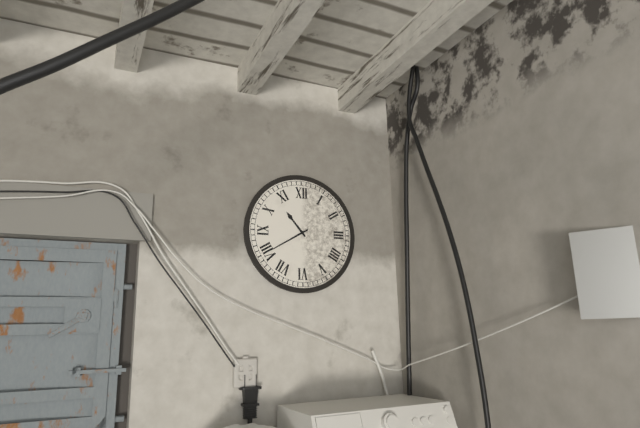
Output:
10:40
